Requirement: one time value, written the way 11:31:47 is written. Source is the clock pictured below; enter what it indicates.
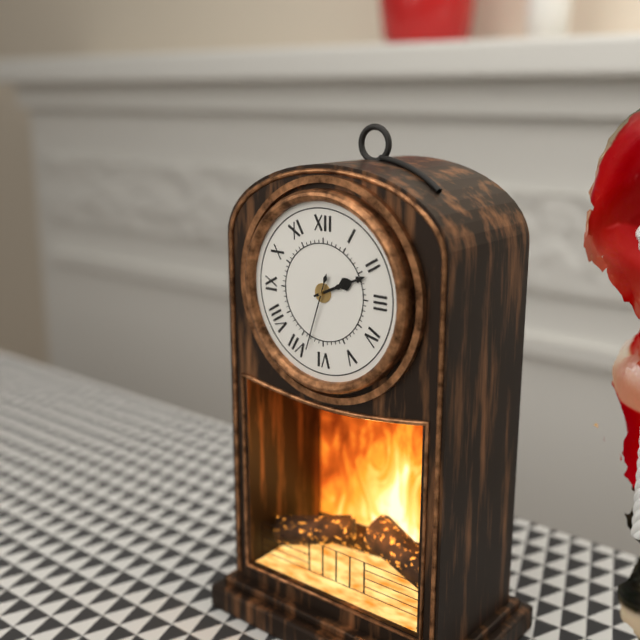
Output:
2:11:33
